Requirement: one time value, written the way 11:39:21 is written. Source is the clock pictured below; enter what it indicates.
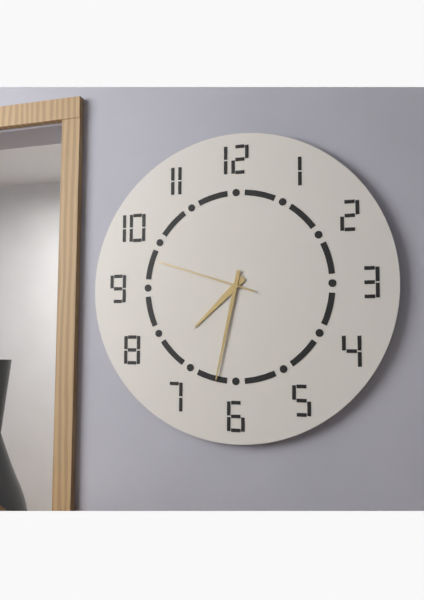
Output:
7:32:48
